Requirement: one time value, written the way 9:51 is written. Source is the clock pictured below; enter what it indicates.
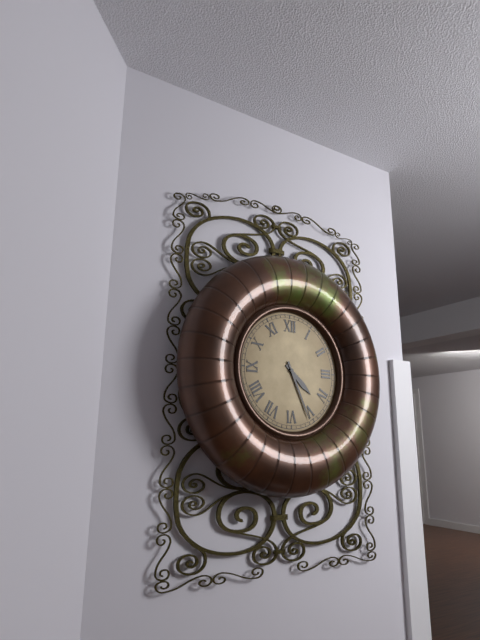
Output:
4:26
